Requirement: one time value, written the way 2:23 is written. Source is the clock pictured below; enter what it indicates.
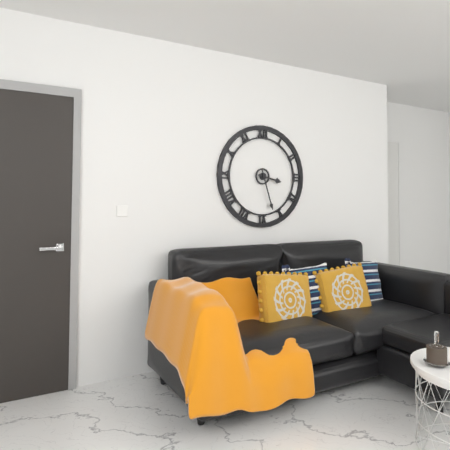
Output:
3:27
